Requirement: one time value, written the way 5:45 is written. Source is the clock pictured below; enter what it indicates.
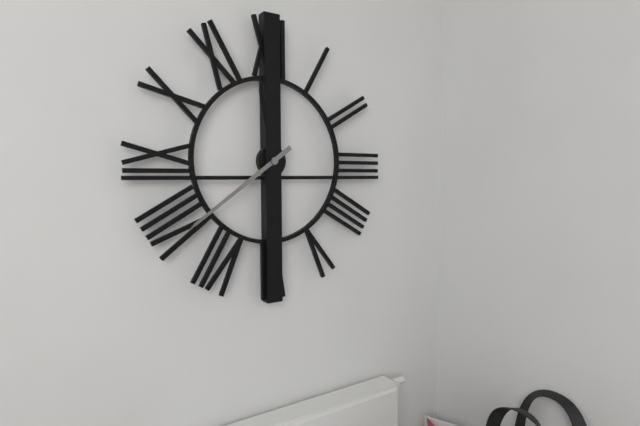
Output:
11:39
